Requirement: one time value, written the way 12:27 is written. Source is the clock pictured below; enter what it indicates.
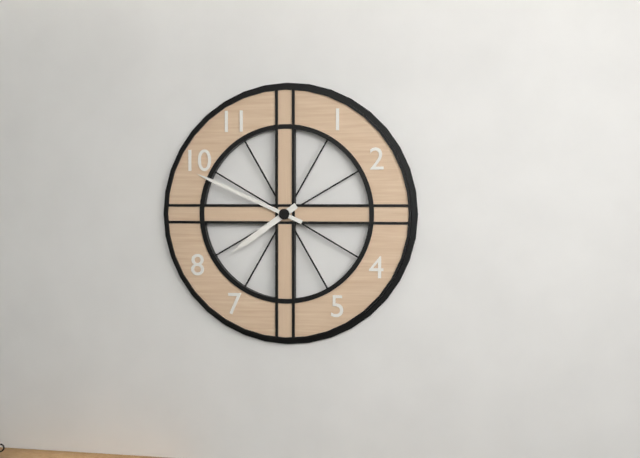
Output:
7:49
